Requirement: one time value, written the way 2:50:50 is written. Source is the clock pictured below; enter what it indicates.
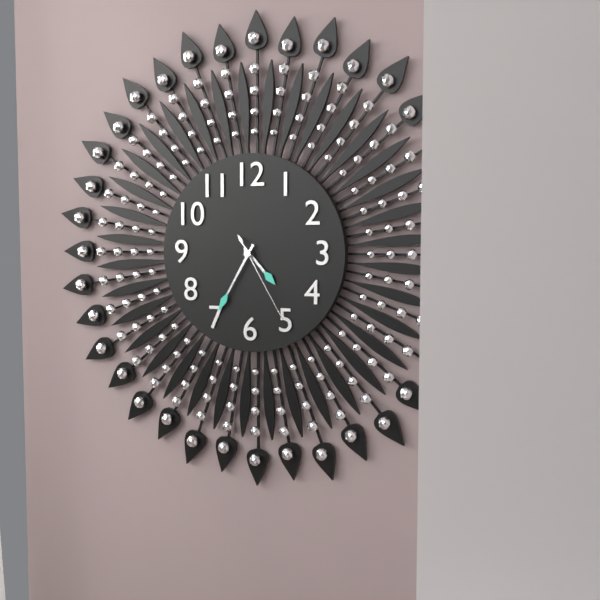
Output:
4:35:25
